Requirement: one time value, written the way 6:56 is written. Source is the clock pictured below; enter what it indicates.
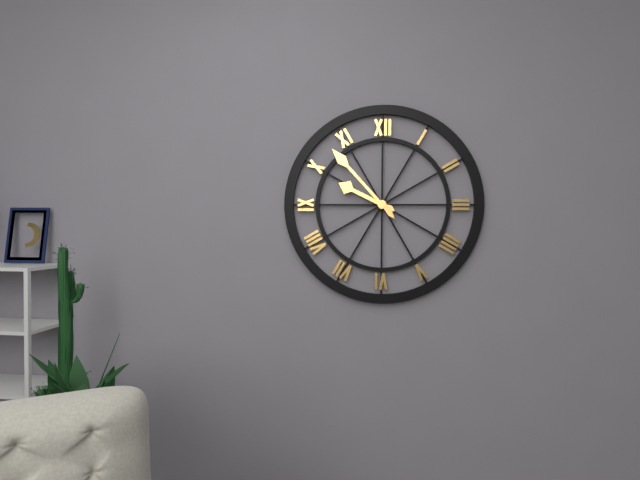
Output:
9:53
